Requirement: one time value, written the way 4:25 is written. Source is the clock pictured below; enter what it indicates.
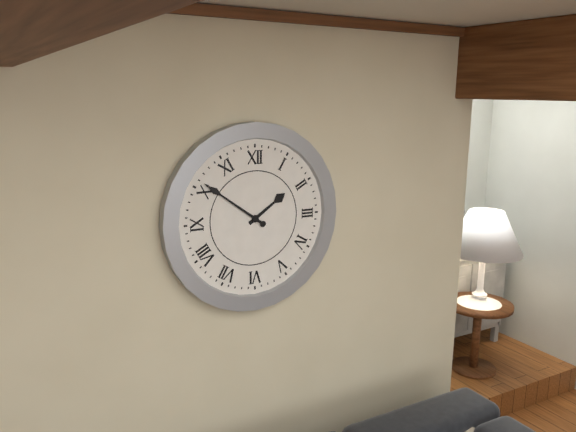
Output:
1:51
